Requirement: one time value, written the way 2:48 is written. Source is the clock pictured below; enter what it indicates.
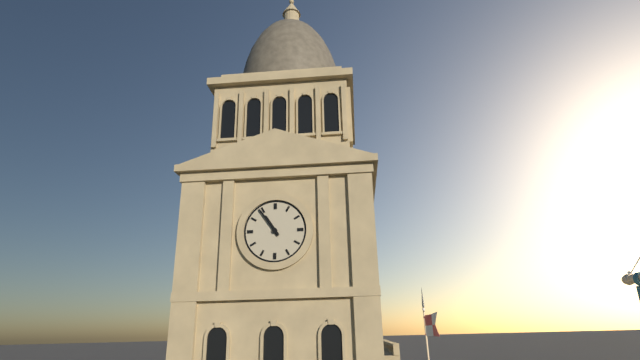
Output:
10:54
